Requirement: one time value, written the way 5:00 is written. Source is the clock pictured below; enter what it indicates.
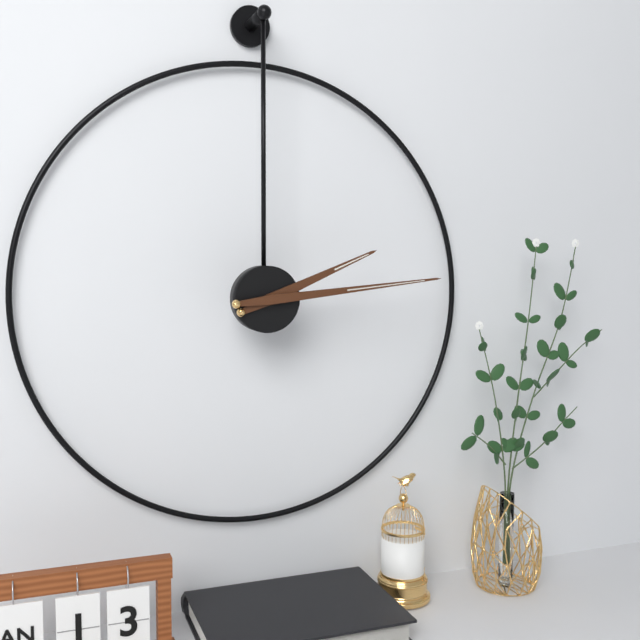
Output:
2:14
